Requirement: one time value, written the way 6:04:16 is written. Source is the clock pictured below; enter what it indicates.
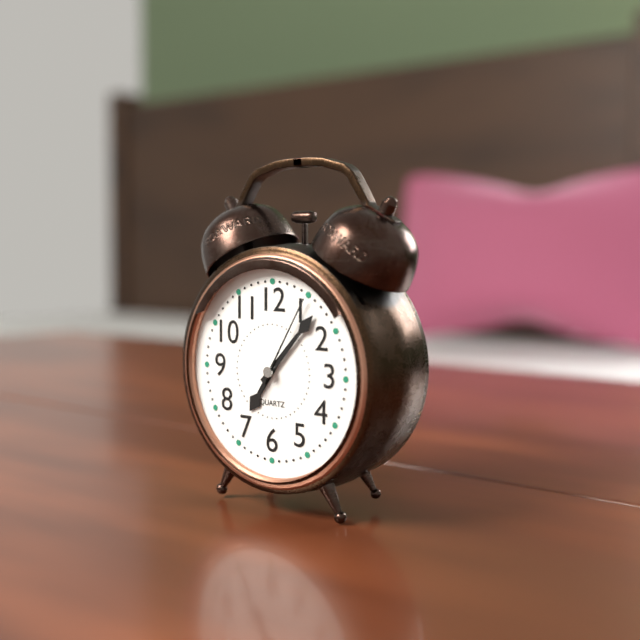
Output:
7:07:05
